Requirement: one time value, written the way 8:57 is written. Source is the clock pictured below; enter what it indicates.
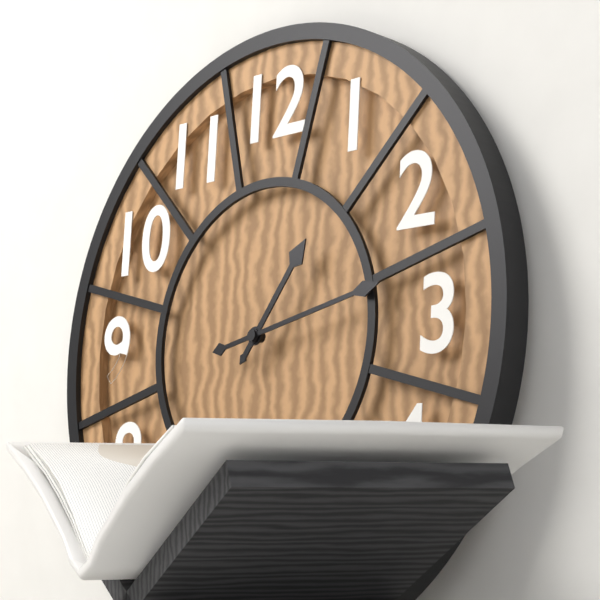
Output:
1:13
